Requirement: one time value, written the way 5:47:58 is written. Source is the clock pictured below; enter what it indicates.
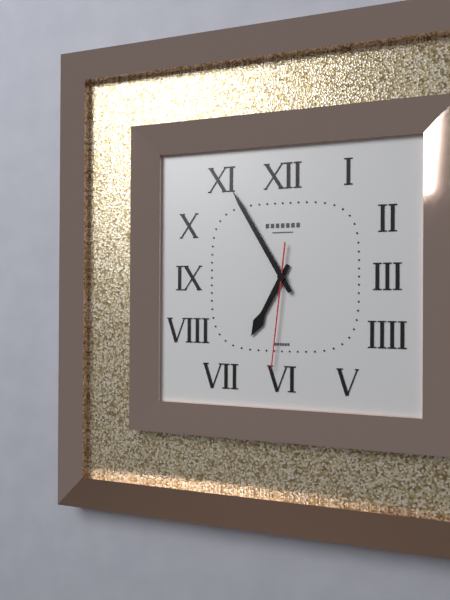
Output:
6:55:31
